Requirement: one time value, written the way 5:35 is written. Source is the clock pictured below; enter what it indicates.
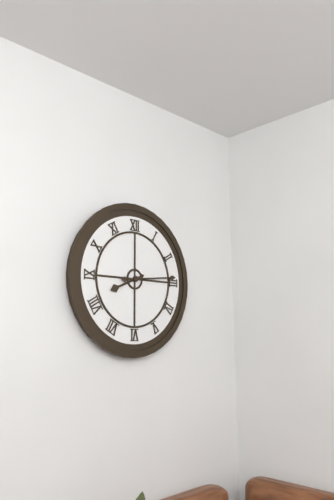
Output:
8:14
